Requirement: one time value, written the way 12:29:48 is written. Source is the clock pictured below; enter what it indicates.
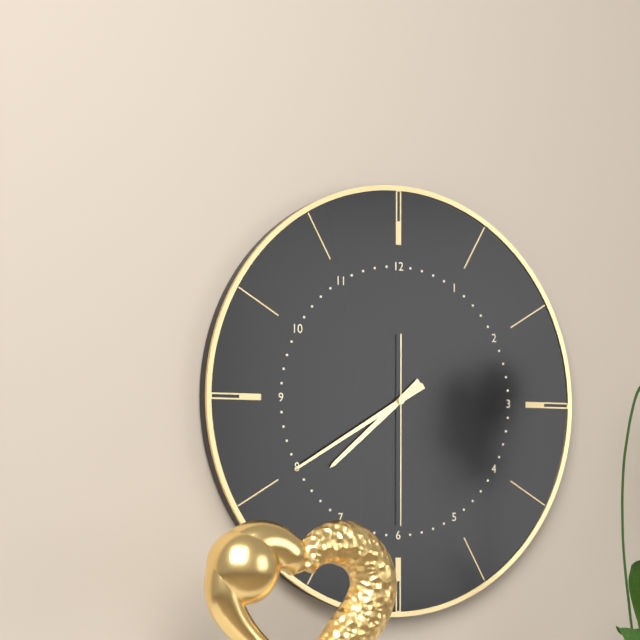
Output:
7:40:30
